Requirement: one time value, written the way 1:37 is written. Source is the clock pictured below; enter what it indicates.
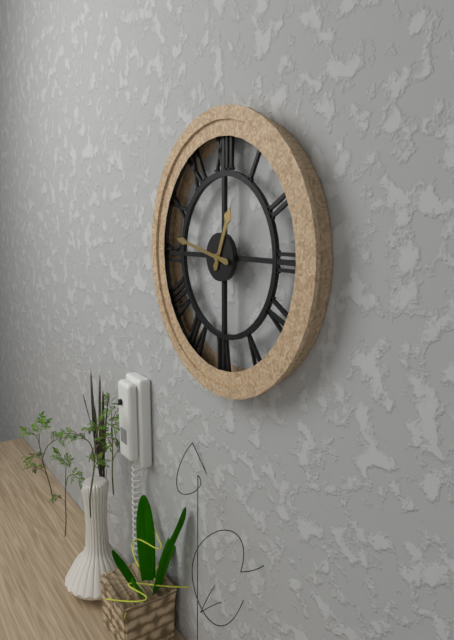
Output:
12:47
